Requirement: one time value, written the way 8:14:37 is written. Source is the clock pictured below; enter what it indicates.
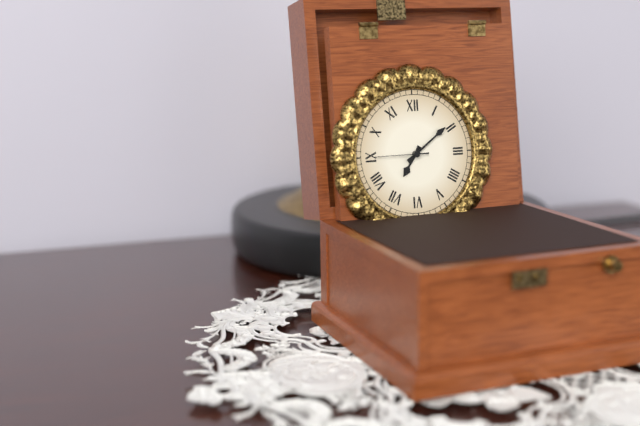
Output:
7:09:45
